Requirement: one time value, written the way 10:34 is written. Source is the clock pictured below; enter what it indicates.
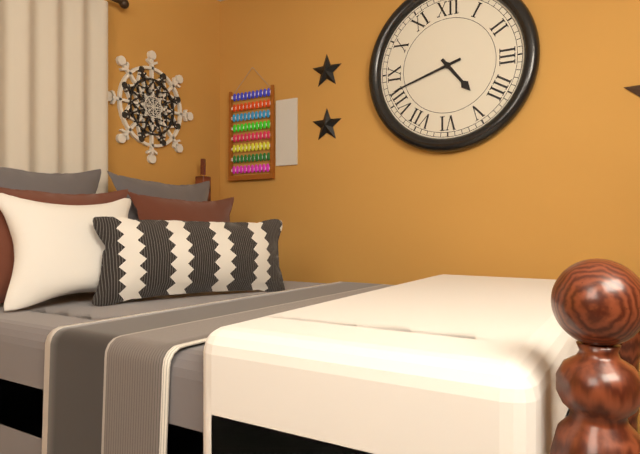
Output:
4:42
